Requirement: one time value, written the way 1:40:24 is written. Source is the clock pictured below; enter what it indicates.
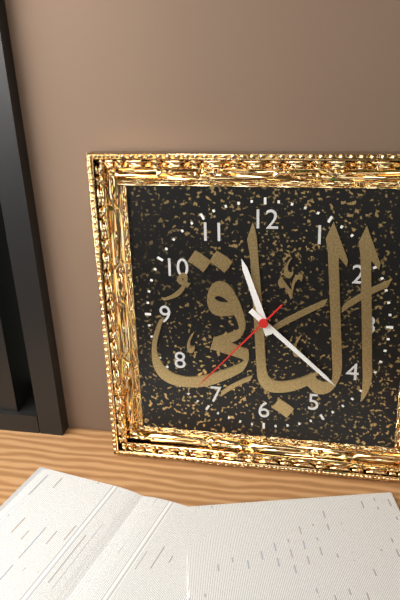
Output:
11:22:37
